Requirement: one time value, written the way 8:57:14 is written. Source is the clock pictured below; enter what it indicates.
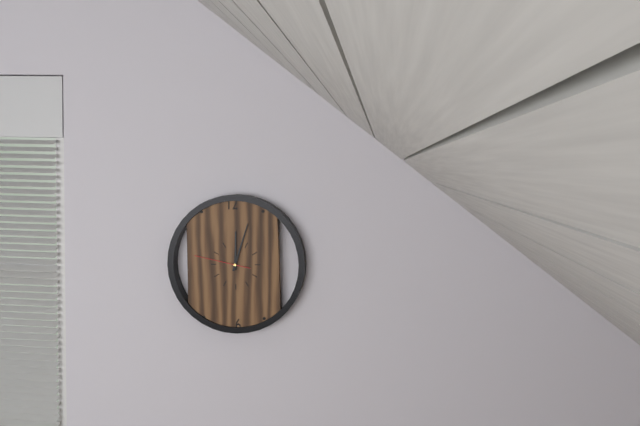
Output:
12:03:47
